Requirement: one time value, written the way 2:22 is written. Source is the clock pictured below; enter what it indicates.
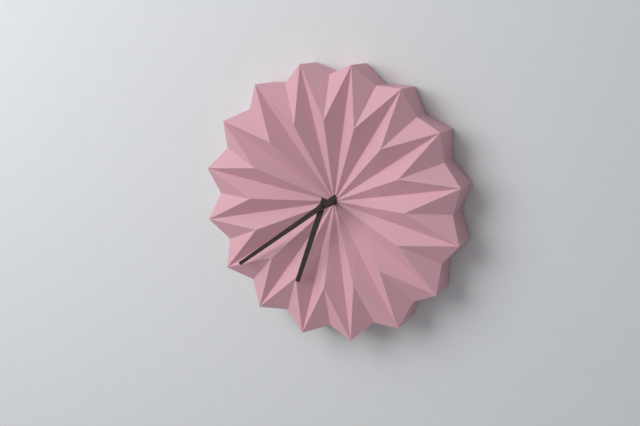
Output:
6:39
